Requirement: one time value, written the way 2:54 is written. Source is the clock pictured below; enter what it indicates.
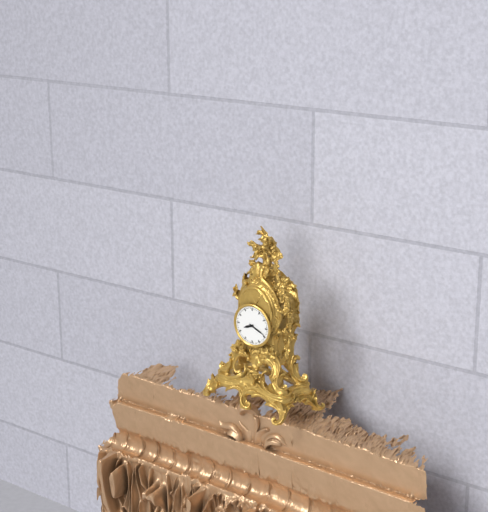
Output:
8:19
